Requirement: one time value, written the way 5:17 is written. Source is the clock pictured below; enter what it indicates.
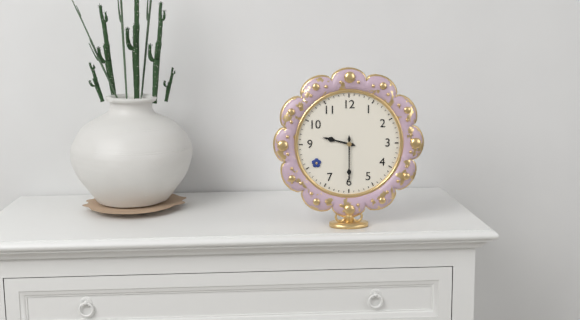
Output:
9:30
